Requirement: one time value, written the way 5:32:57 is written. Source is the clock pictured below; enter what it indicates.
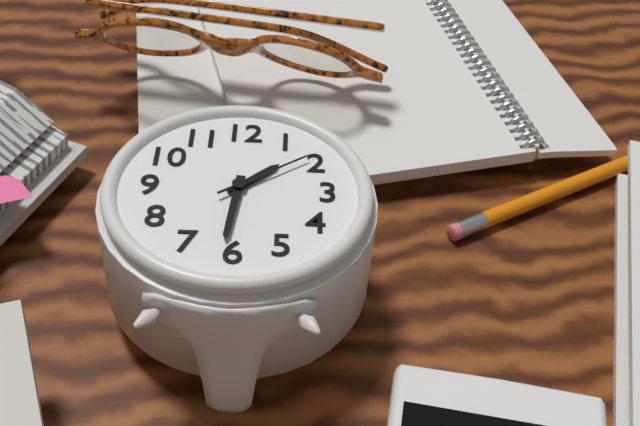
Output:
1:31:09
